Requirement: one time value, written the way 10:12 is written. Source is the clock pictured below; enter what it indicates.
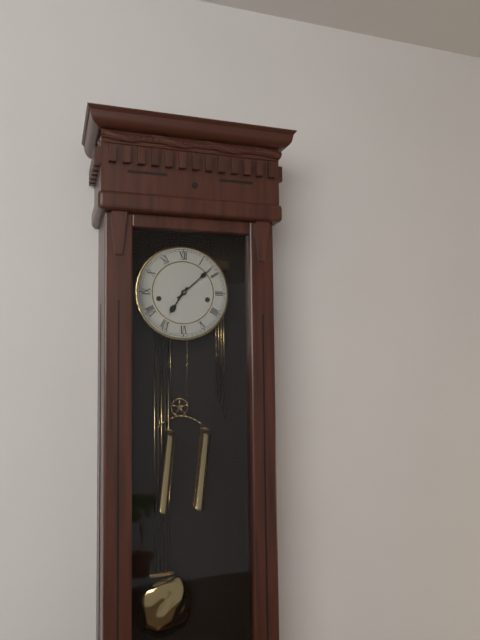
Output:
7:08
